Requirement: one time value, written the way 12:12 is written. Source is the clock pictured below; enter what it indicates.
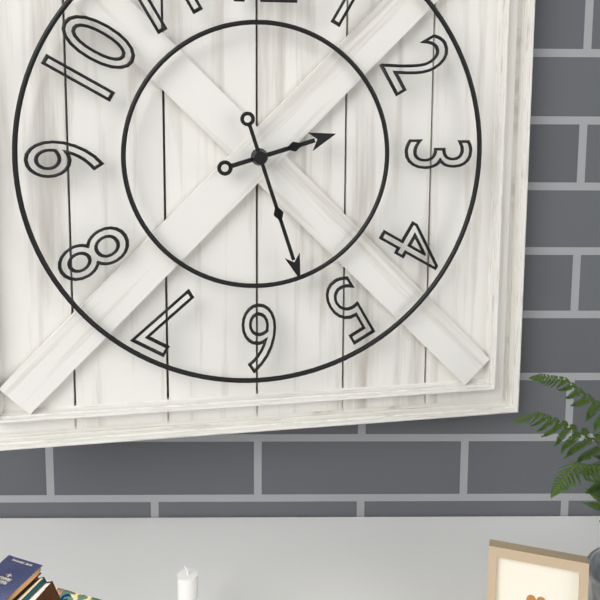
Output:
2:27
